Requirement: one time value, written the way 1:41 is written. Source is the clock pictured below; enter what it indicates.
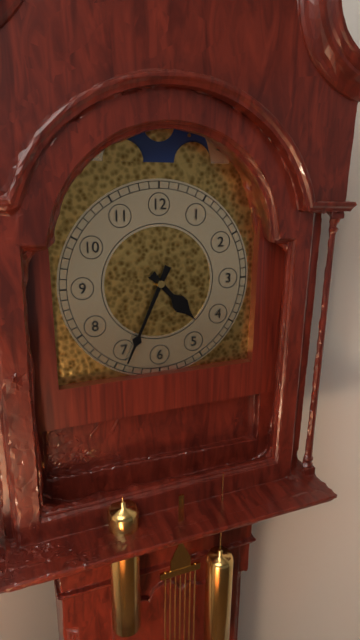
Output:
4:34
